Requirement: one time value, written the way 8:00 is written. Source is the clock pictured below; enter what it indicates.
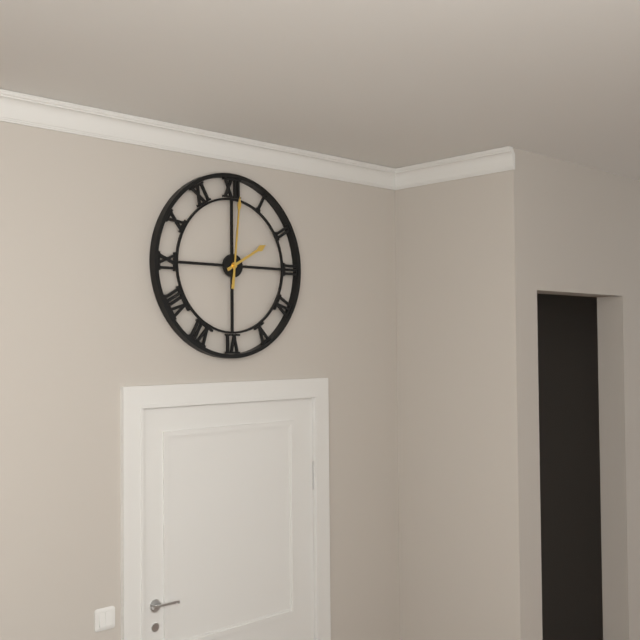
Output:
2:01
